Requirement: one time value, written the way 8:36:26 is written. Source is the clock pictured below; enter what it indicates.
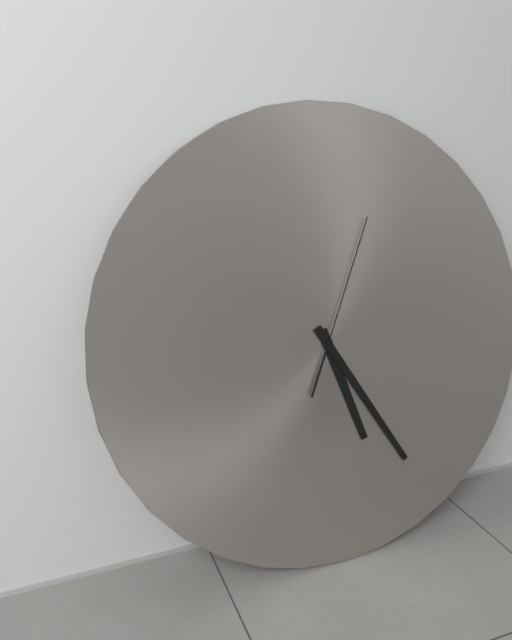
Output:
5:25:04
